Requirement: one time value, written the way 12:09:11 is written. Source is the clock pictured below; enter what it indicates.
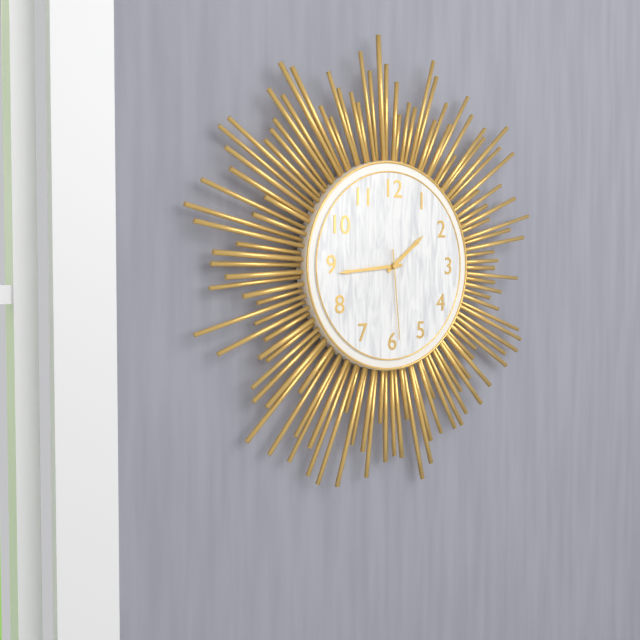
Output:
1:44:29
